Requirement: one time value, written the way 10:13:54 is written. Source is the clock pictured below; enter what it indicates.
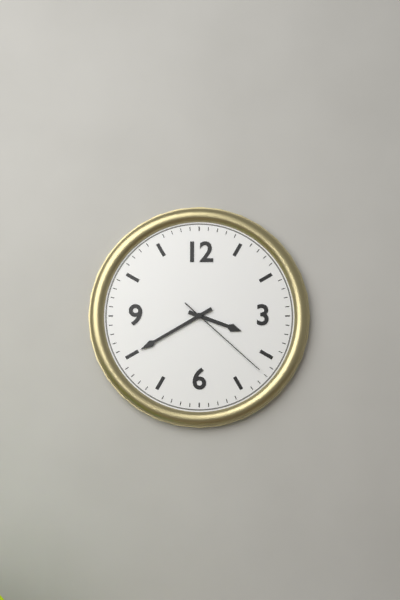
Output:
3:40:22
